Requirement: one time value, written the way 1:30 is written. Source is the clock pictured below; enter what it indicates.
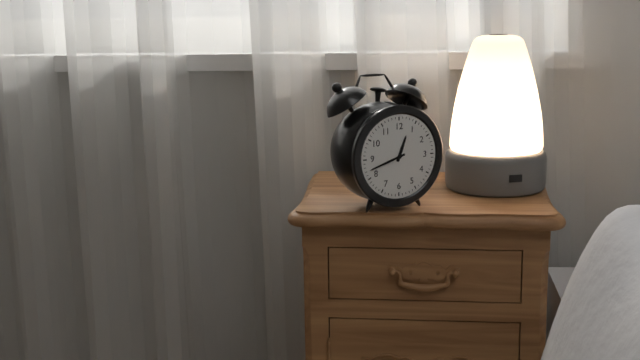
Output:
12:42
